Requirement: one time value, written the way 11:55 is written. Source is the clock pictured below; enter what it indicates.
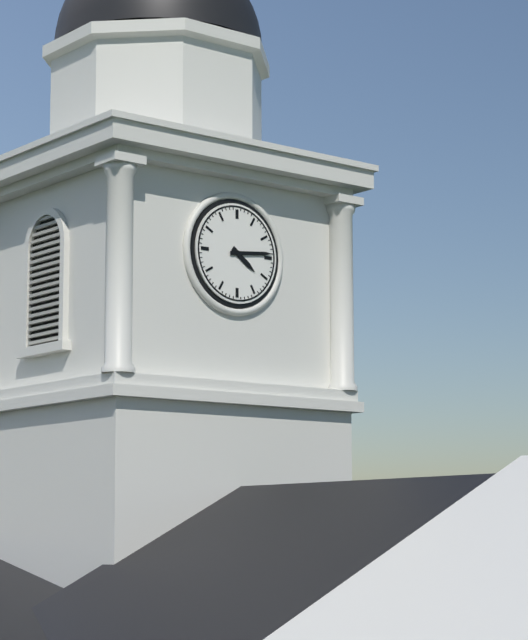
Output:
4:14
